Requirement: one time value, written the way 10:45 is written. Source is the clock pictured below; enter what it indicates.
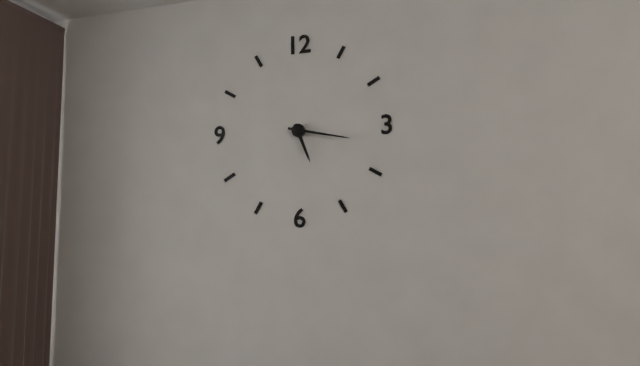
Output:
5:17
